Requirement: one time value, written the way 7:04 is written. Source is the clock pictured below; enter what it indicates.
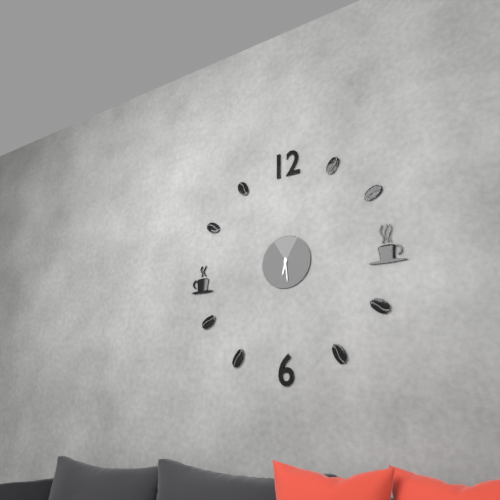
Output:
6:29
